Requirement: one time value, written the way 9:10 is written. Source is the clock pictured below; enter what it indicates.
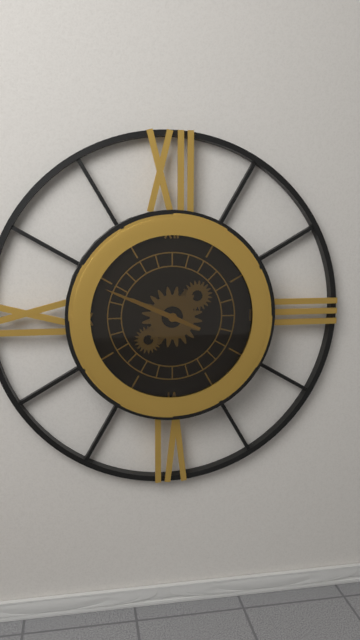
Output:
9:49
